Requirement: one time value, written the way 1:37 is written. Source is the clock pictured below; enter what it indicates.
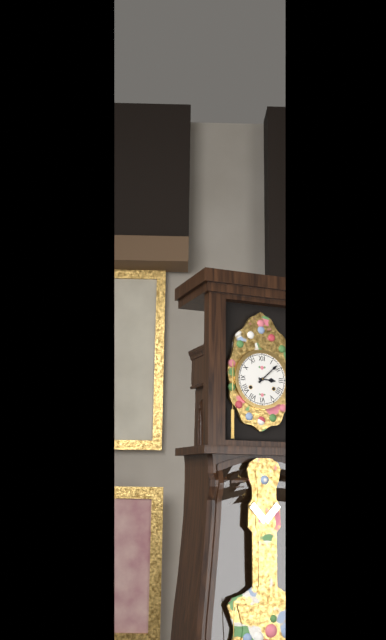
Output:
3:08
